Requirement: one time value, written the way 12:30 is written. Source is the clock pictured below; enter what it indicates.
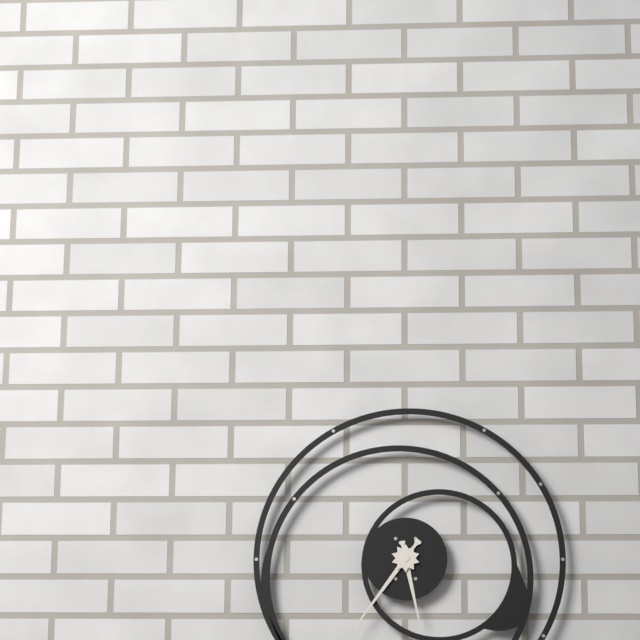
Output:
5:36
